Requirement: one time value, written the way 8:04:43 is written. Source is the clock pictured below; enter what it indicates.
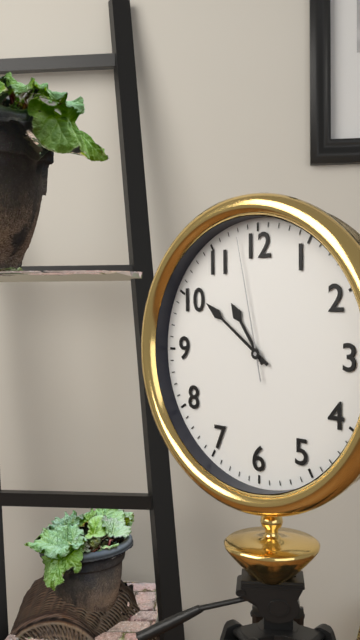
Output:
10:51:58
